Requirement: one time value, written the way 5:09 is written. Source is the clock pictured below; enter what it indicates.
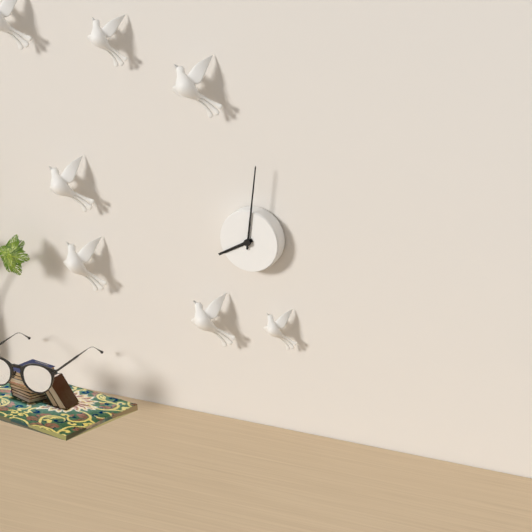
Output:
8:01
